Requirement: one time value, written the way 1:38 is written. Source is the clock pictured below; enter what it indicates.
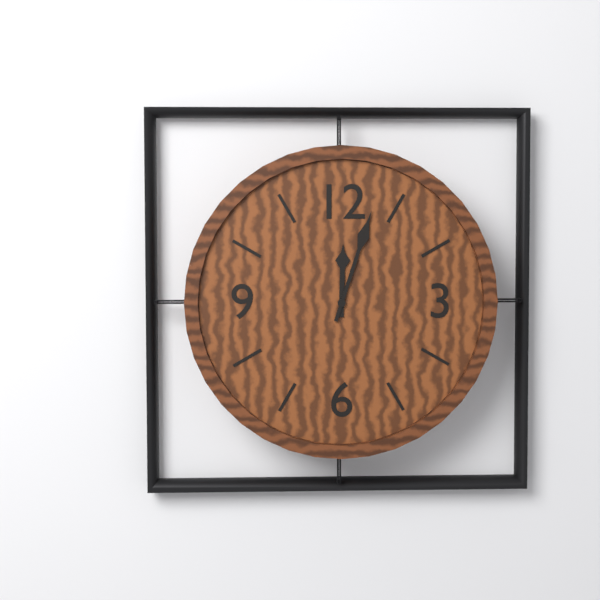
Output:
12:03
